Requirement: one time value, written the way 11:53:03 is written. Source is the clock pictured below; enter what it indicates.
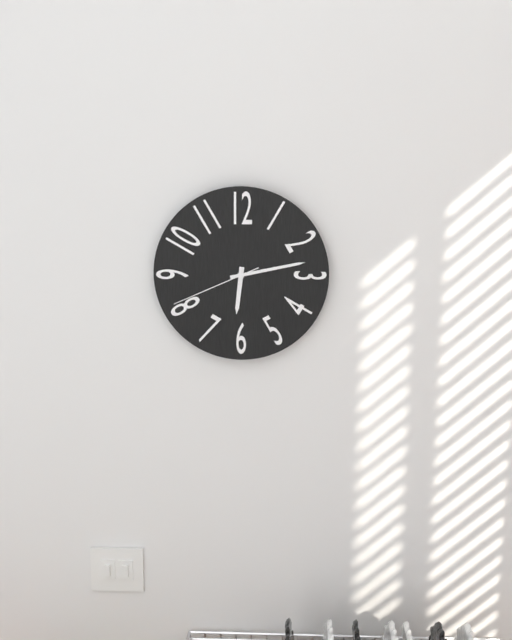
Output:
6:13:41
